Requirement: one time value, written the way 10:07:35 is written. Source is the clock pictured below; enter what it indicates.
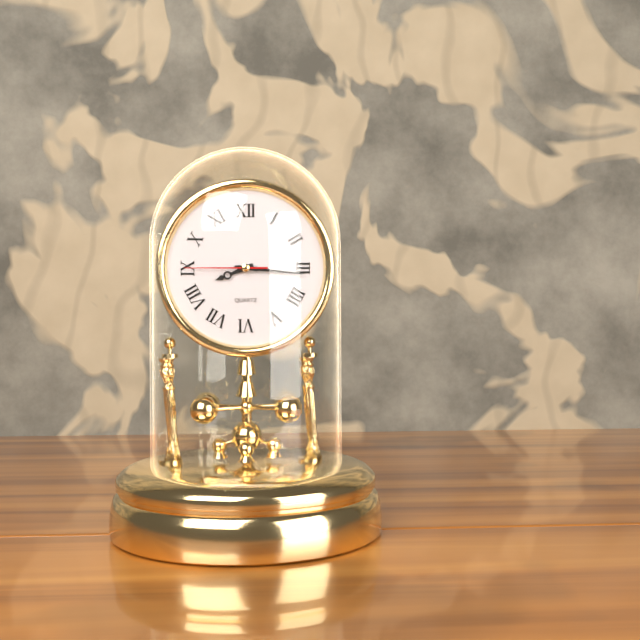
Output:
8:16:45
